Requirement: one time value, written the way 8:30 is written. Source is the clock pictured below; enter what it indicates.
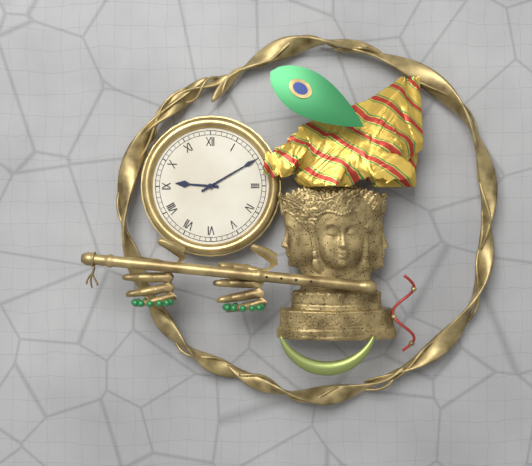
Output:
9:10
